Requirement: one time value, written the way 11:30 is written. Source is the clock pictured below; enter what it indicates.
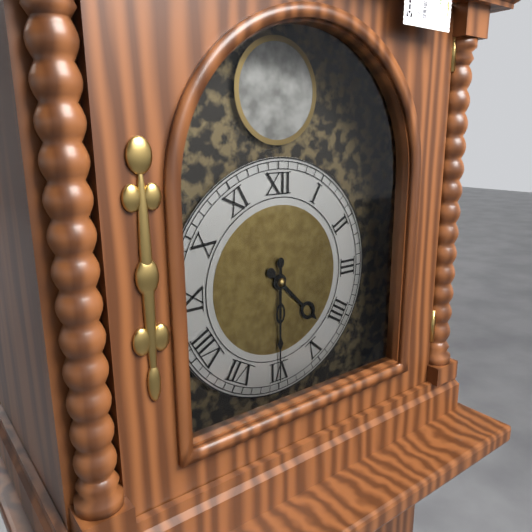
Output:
4:30
